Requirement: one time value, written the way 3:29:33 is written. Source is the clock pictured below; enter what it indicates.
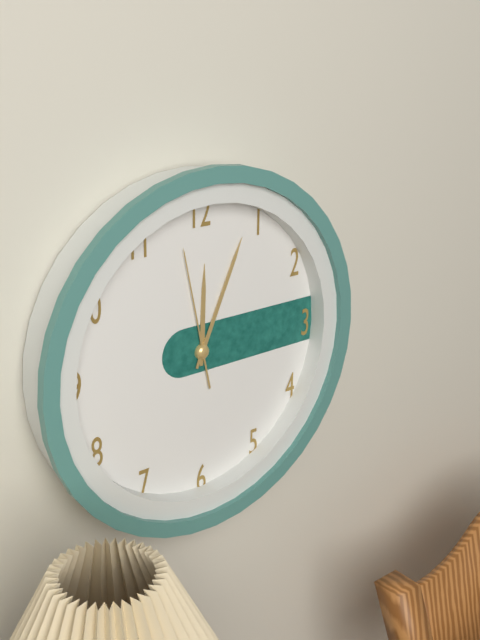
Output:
12:04:58
